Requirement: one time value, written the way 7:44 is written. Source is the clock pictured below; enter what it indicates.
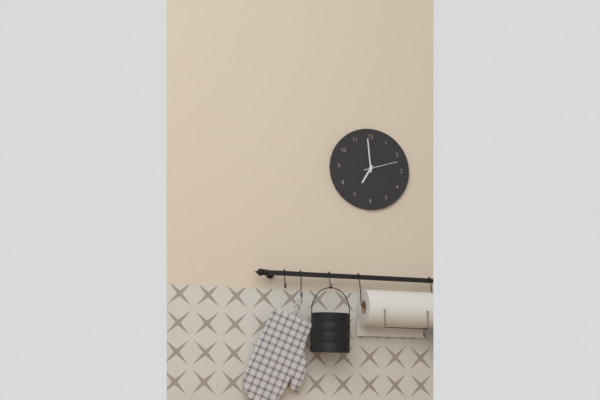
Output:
6:59
